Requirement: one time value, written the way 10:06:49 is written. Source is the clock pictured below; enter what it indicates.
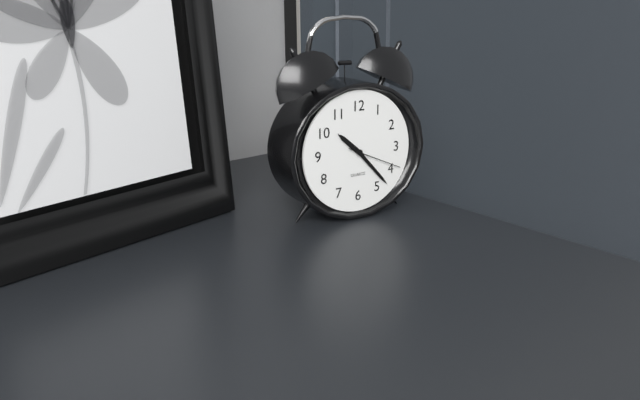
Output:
10:23:19
